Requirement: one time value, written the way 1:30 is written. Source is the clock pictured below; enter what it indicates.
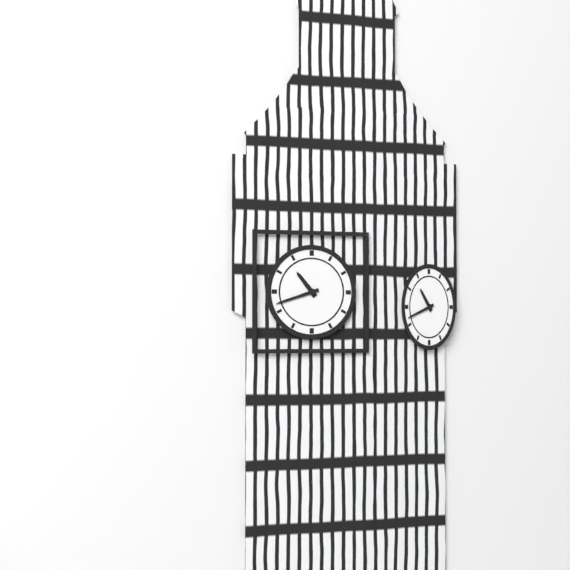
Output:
10:42
